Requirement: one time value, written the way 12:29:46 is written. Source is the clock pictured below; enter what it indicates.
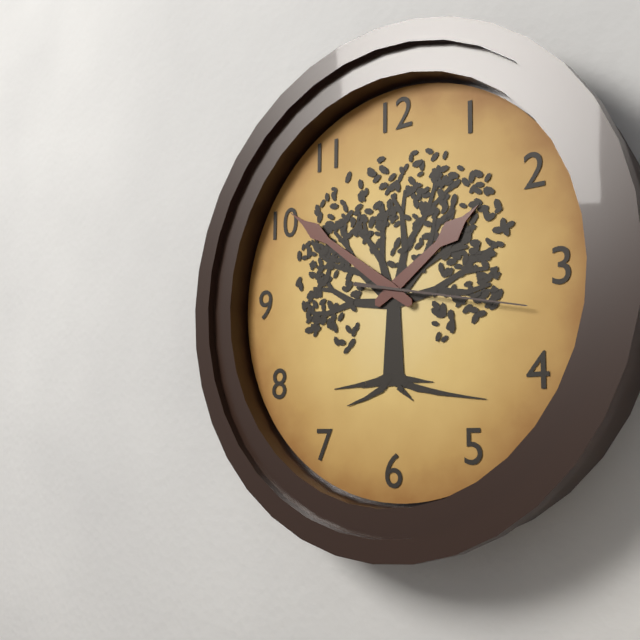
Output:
1:51:17
